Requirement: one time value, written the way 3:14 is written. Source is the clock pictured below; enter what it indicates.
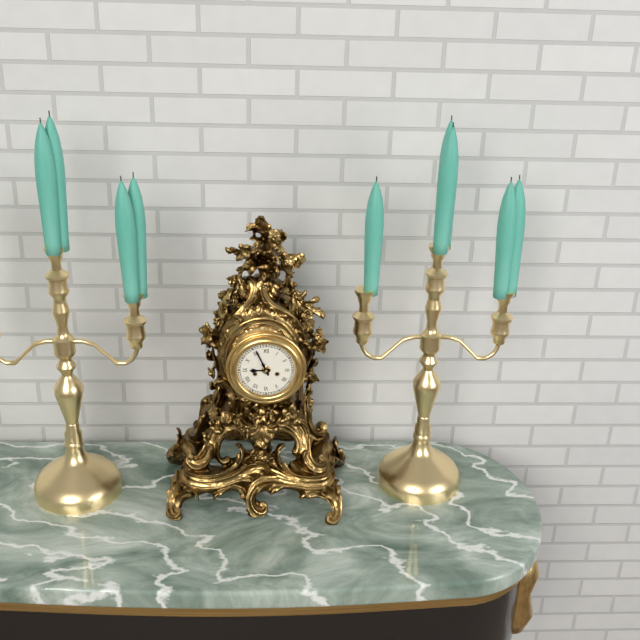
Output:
8:56
